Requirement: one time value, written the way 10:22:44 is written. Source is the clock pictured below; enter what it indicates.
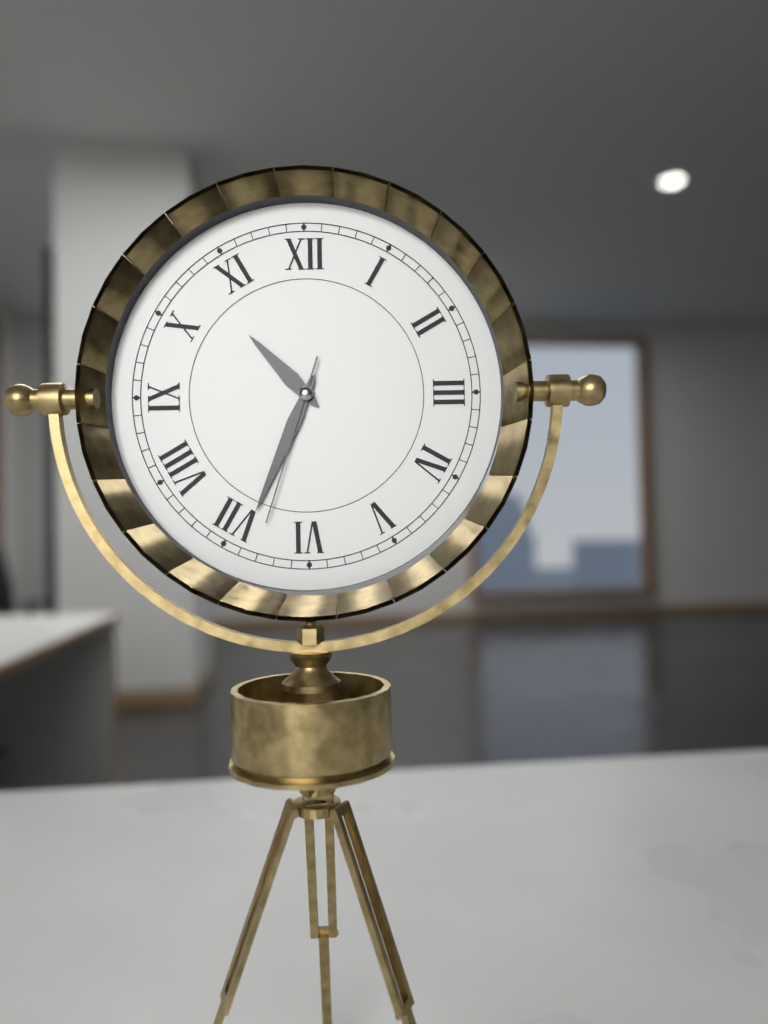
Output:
10:34:33
